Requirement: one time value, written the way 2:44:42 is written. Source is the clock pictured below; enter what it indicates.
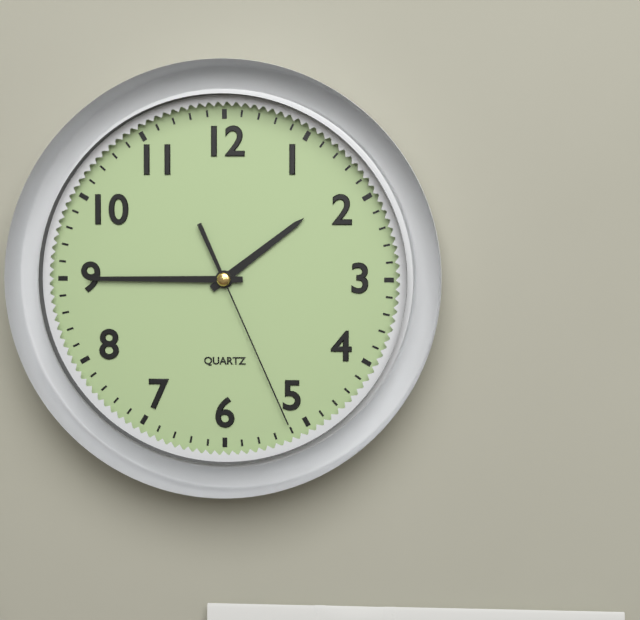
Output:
1:45:26
